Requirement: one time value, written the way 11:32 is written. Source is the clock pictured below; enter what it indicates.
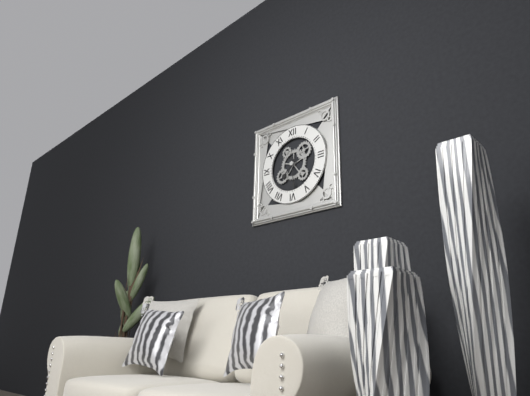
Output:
7:29
